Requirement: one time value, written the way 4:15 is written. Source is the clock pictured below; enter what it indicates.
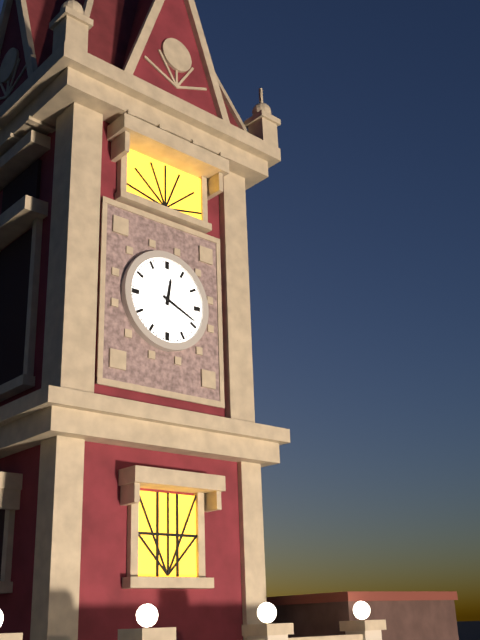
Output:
12:19
